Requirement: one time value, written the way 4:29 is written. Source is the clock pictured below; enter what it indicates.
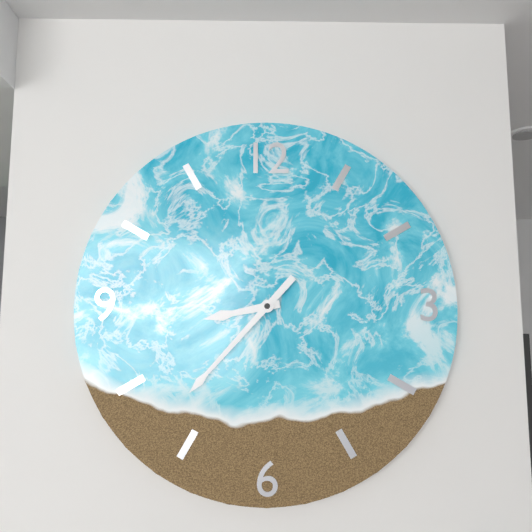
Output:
8:37
